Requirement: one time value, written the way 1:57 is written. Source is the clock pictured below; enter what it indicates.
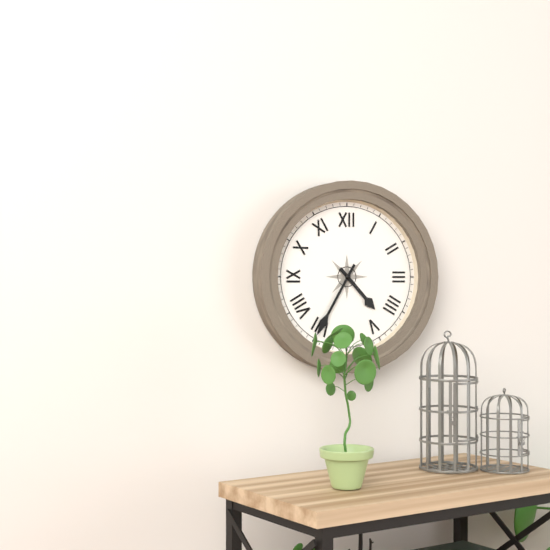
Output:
4:35
